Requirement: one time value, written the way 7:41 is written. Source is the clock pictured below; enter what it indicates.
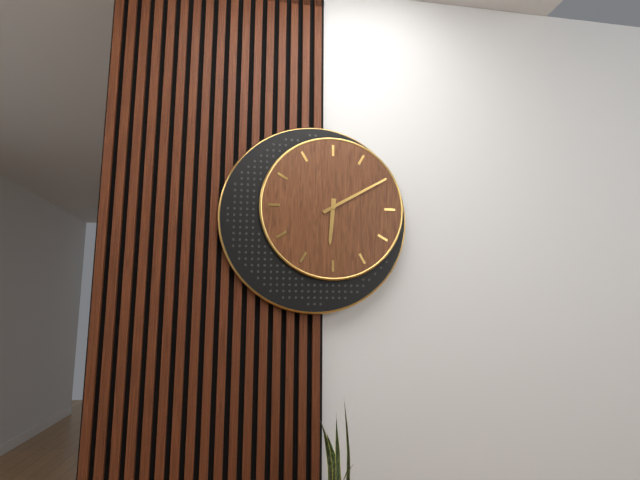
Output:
6:10
